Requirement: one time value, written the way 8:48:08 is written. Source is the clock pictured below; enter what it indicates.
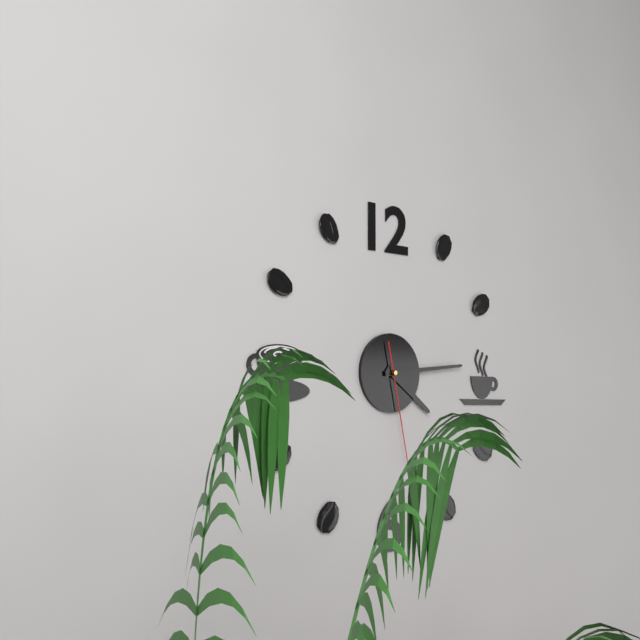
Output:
4:14:28
